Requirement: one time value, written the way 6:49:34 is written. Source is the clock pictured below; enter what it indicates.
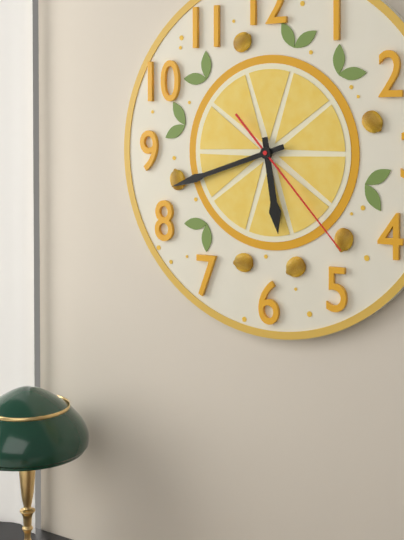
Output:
5:42:23
